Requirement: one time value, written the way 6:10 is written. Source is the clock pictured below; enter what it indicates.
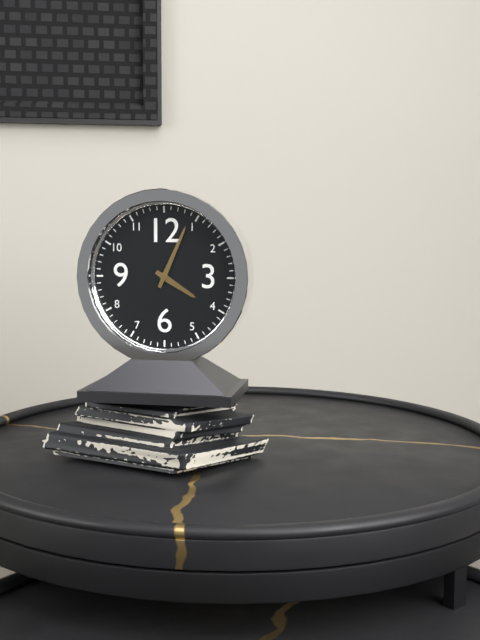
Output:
4:04
